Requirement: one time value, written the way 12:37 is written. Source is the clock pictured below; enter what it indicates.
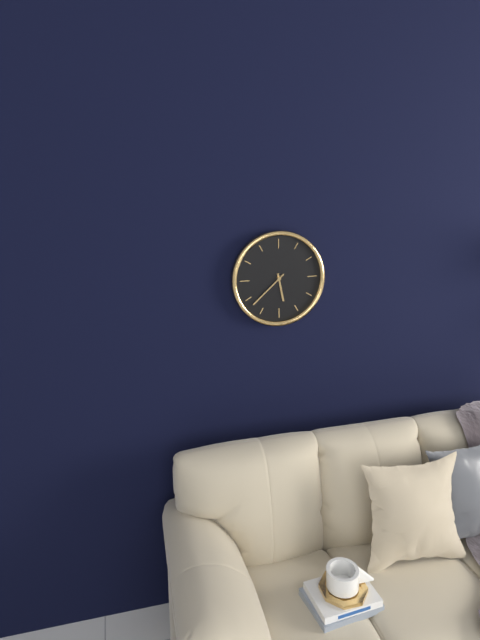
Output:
5:38
